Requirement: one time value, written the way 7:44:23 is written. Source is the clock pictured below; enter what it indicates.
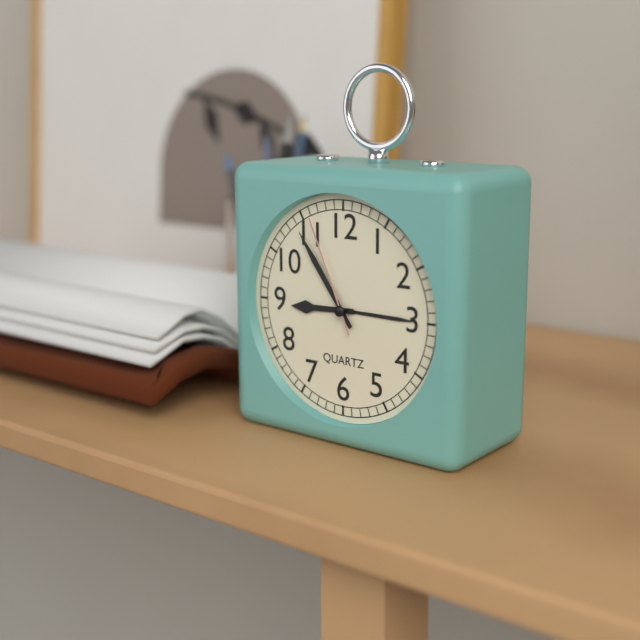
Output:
8:54:56
